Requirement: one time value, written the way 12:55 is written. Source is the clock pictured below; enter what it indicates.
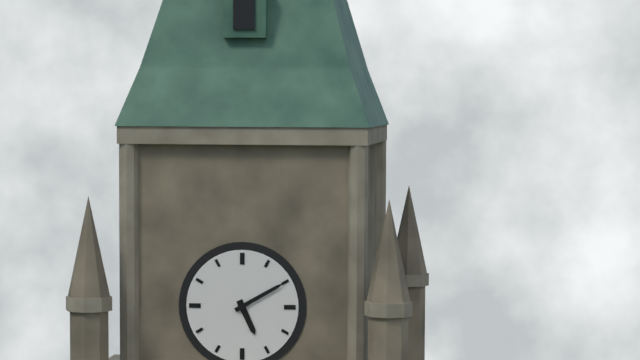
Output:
5:10
